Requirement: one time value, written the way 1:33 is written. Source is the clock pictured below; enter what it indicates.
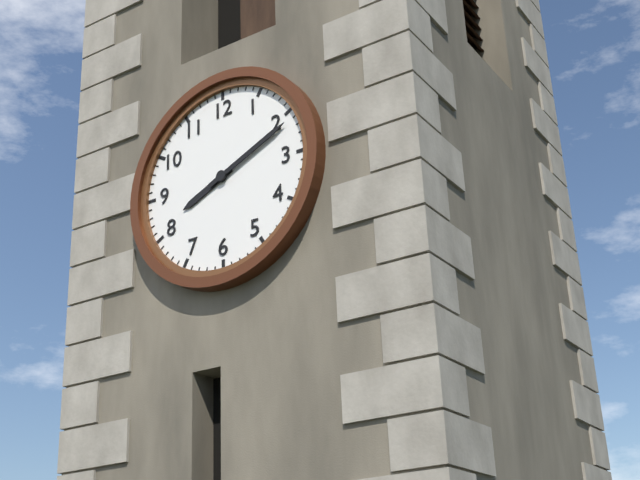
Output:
8:11
